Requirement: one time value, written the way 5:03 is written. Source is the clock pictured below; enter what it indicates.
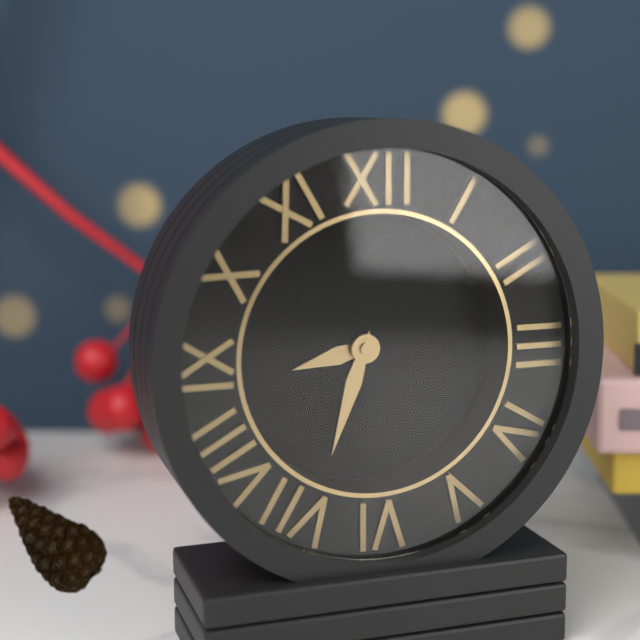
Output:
8:33
